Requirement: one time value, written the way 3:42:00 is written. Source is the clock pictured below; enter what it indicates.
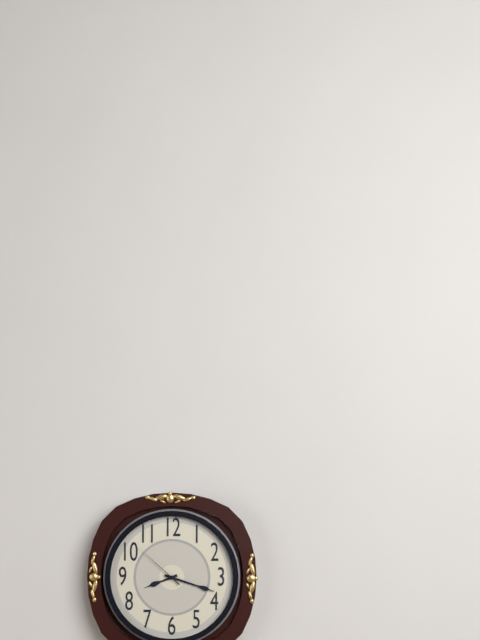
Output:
8:18:52
